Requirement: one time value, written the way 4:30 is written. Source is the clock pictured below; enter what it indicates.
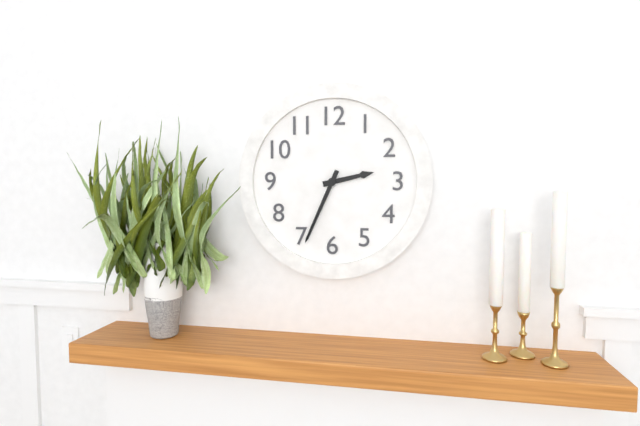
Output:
2:34
